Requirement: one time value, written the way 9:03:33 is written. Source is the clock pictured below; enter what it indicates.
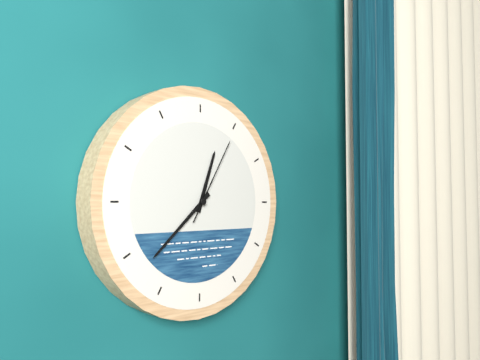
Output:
12:38:05
